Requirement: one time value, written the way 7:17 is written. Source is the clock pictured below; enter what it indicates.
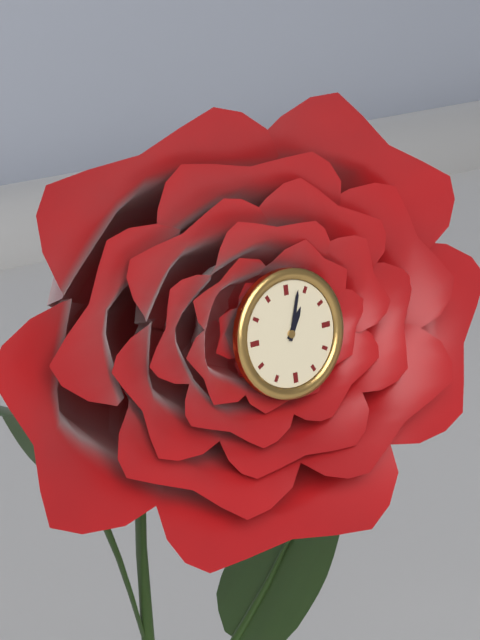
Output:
1:03
